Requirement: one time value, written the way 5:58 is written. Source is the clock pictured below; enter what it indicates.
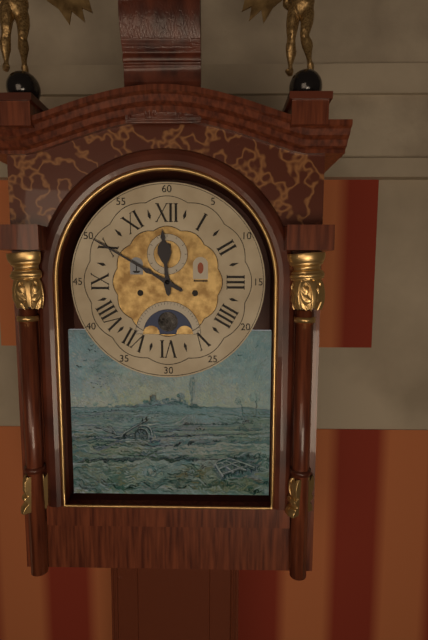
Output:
11:50
